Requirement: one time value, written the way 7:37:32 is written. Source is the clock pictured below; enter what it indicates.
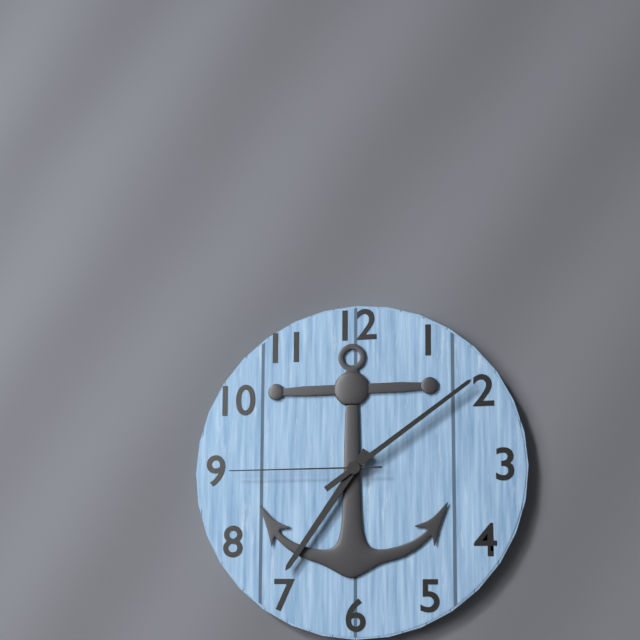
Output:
7:09:45
